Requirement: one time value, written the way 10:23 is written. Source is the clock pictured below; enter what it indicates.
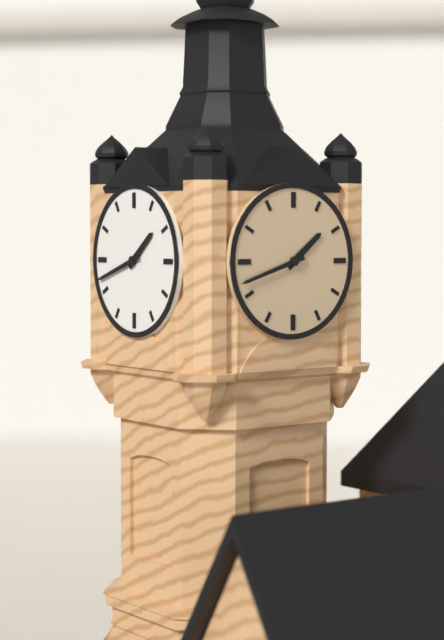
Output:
1:42
